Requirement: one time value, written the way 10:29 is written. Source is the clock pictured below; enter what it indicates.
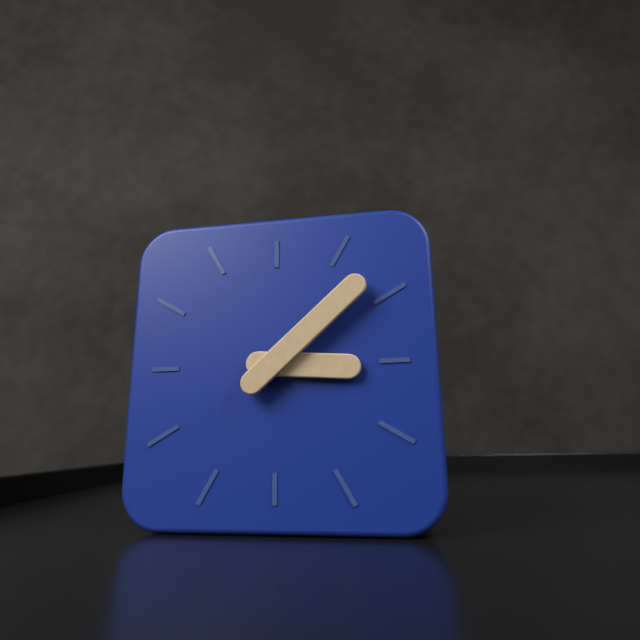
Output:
3:08
